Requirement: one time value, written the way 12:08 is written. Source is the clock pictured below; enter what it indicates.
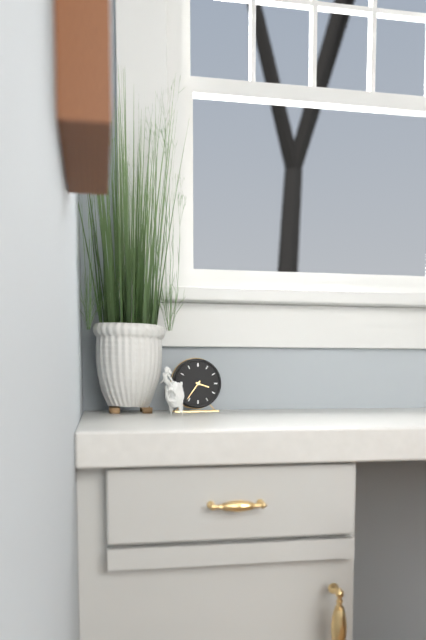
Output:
3:36
